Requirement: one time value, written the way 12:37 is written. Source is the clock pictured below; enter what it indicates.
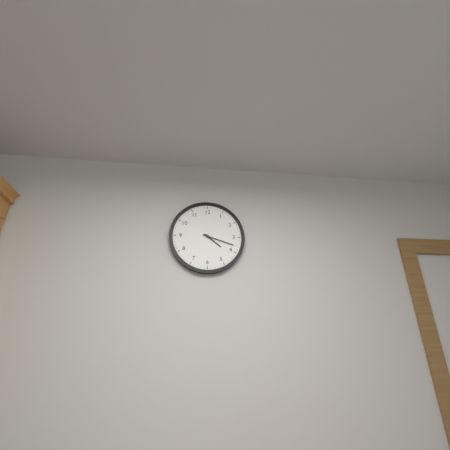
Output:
4:18
